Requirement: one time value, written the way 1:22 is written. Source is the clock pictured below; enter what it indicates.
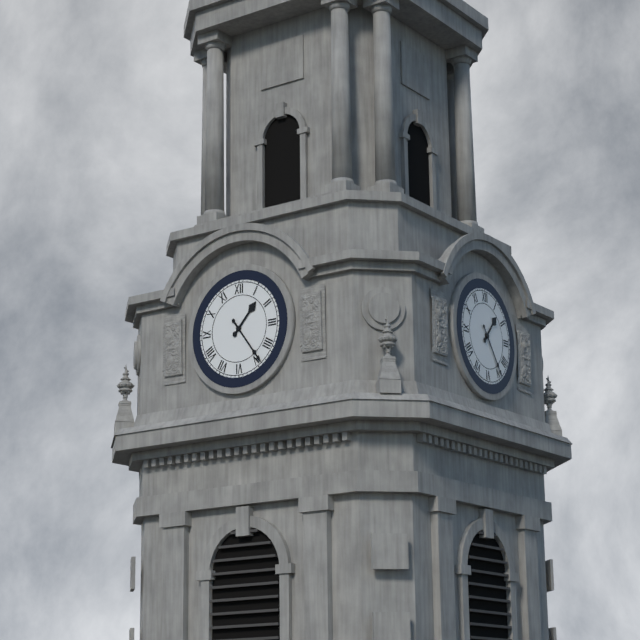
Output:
1:24
